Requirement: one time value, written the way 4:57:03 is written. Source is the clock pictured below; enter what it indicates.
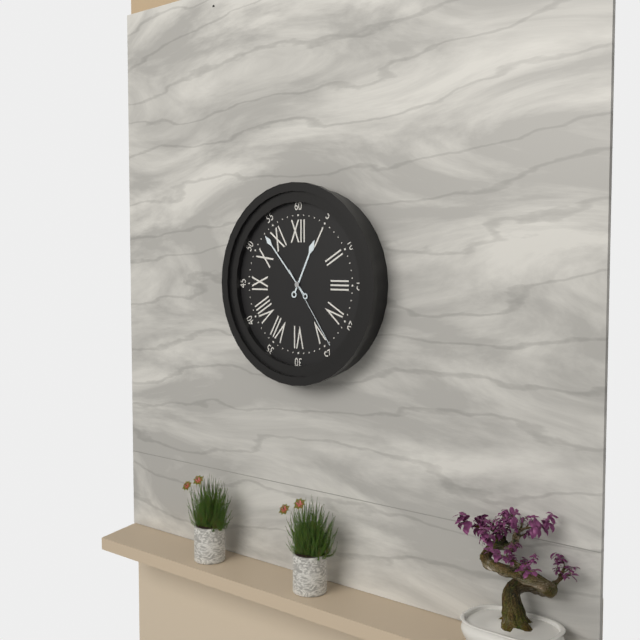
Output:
12:53:24
